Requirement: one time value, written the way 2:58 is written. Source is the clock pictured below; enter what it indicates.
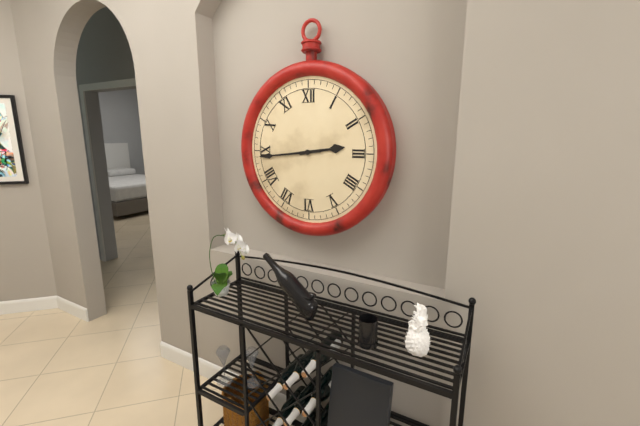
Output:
2:44
